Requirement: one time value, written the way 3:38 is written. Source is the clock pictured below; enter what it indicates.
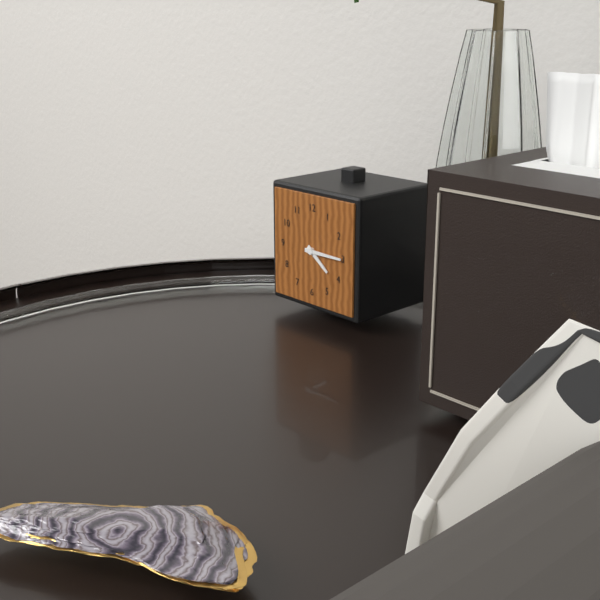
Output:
4:15
